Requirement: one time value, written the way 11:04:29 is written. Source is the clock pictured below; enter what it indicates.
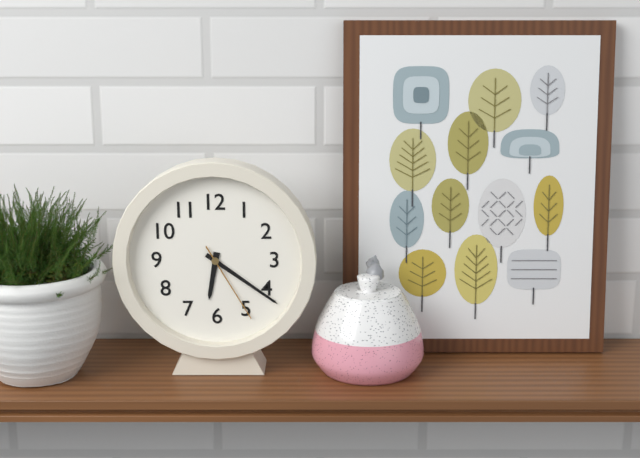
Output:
6:21:25
